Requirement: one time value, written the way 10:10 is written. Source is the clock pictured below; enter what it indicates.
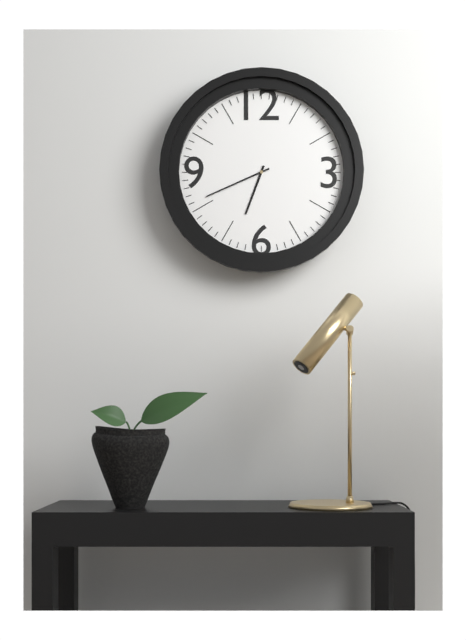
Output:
6:41
